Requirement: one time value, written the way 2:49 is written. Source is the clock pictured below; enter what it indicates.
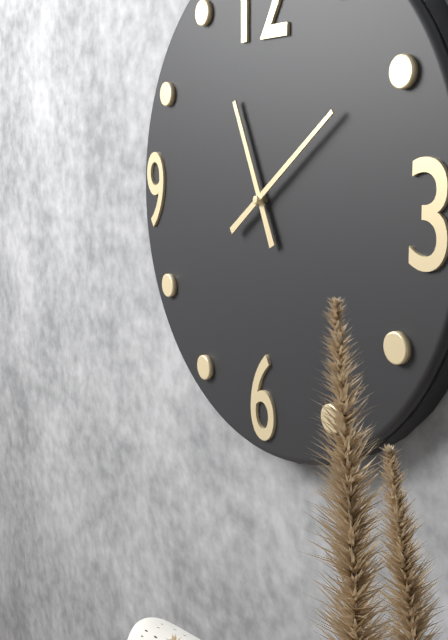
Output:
11:09
